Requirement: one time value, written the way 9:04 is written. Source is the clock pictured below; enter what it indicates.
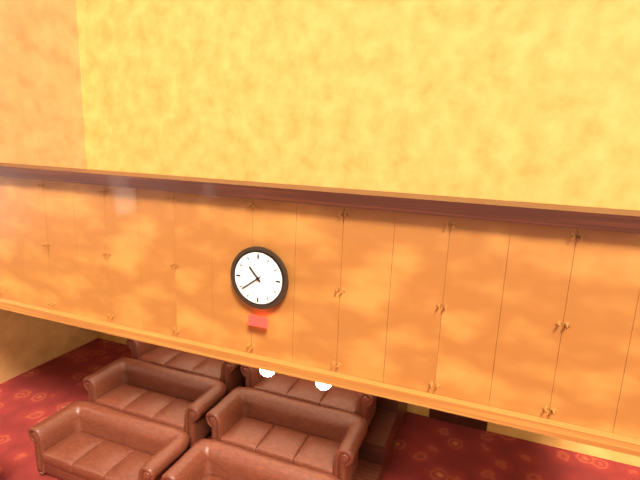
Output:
10:39
